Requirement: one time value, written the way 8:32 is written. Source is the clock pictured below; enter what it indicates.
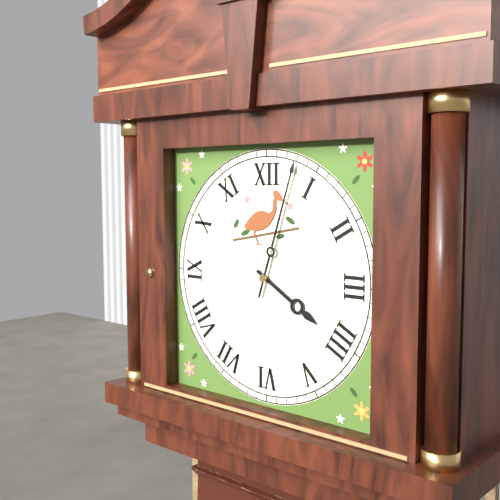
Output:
4:03
